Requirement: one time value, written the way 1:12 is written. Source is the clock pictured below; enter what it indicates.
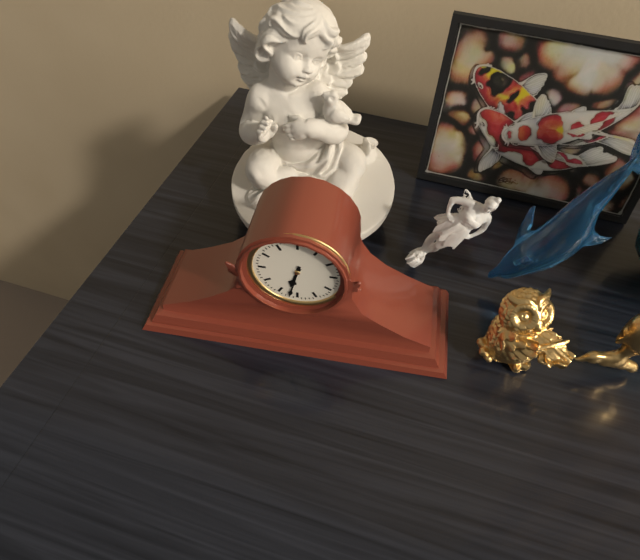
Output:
6:32
